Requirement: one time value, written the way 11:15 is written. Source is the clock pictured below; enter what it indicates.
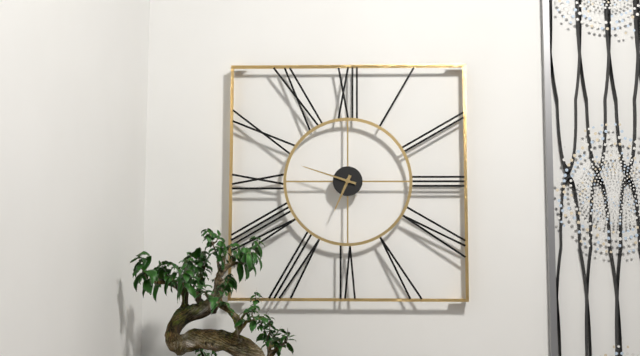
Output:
6:48
